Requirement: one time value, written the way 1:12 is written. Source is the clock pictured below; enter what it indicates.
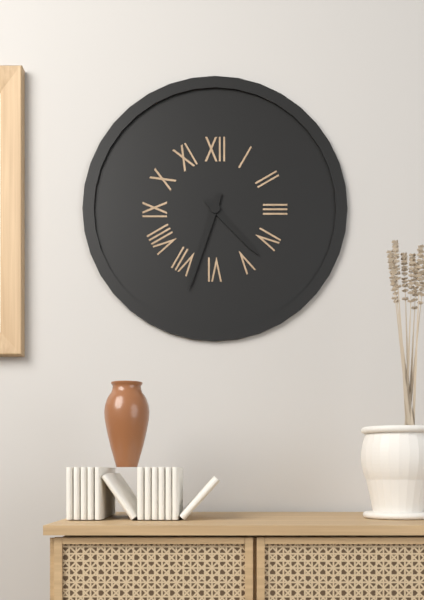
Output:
4:33
